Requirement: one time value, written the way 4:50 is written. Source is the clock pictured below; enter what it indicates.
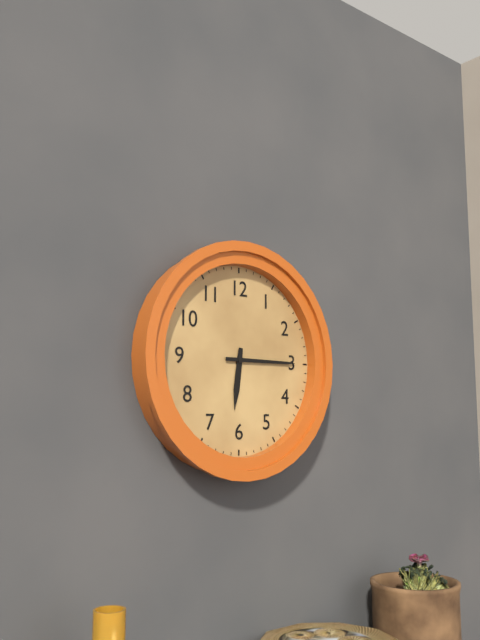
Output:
6:15
